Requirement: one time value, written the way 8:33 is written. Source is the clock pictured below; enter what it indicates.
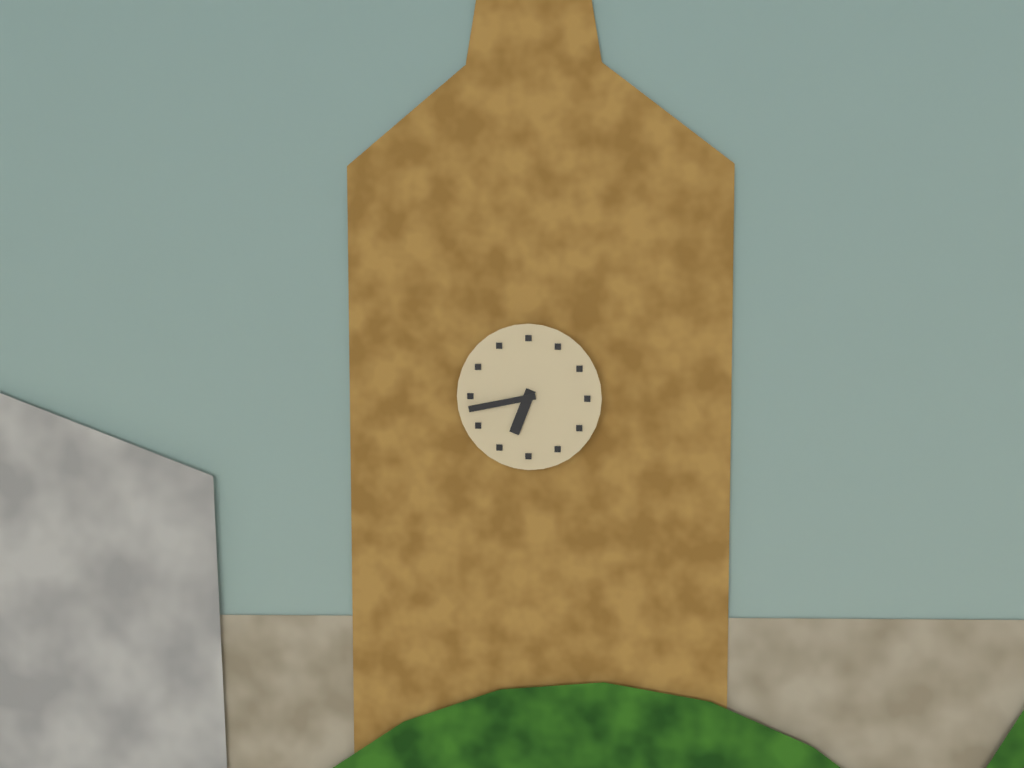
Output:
6:43
